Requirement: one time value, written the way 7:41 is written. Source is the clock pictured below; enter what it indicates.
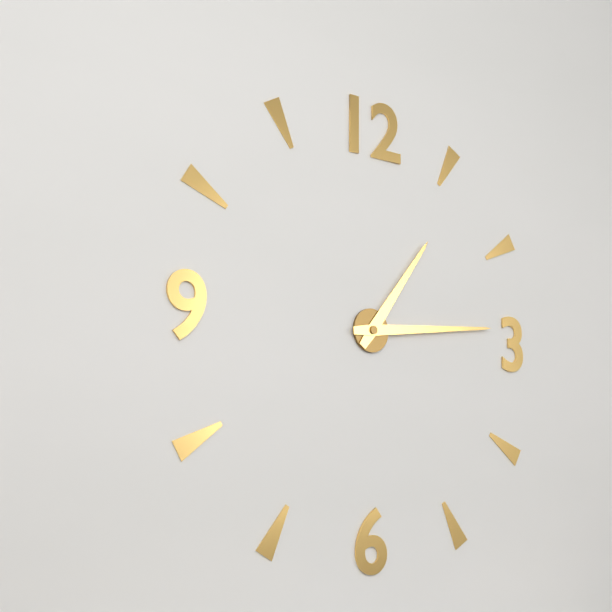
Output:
1:14
